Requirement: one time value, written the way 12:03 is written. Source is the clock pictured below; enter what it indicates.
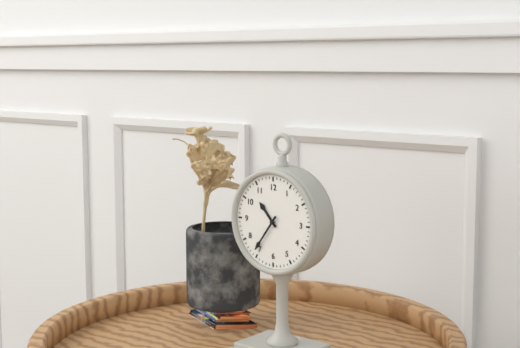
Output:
10:36
